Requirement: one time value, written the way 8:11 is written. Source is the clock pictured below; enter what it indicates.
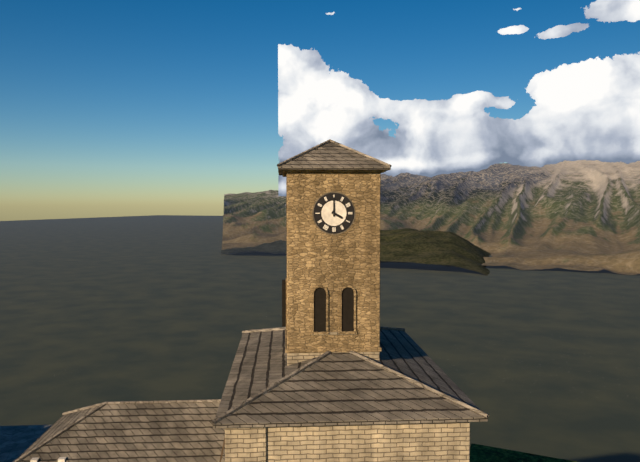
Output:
4:00
